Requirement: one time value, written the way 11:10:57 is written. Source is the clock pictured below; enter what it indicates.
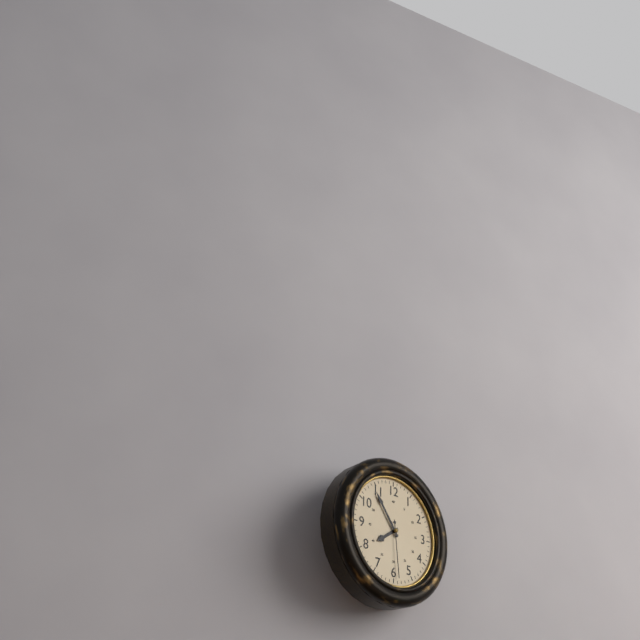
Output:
7:54:29
